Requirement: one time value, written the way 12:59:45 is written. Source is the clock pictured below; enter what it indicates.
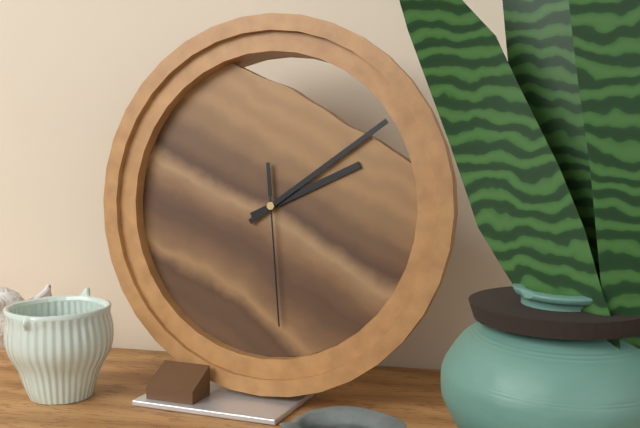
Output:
2:09:29
